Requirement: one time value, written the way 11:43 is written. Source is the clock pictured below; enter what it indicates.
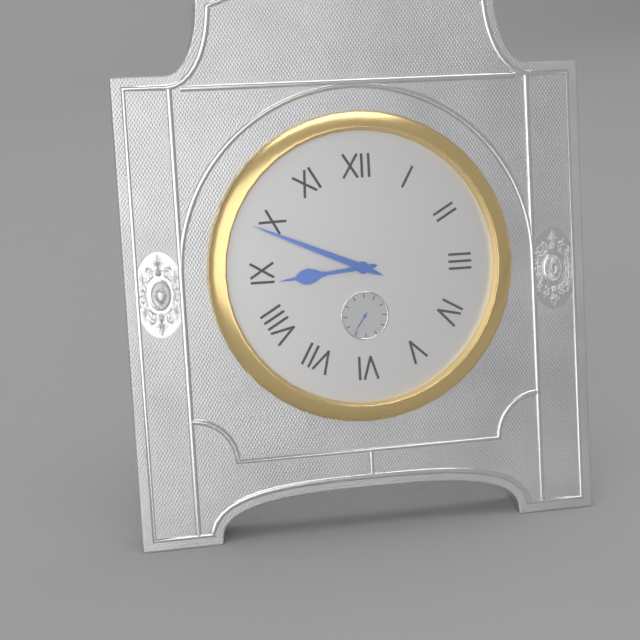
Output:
8:49
